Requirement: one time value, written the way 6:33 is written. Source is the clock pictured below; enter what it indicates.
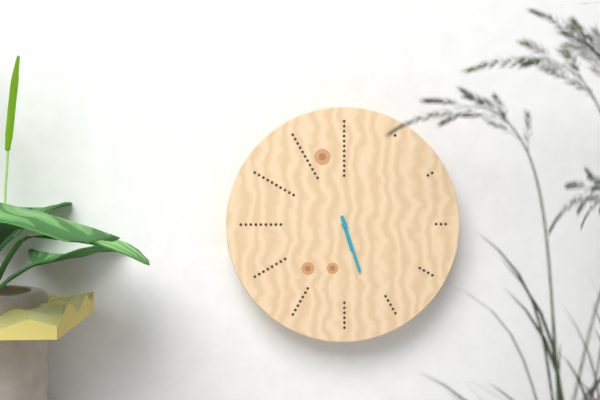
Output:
5:27
